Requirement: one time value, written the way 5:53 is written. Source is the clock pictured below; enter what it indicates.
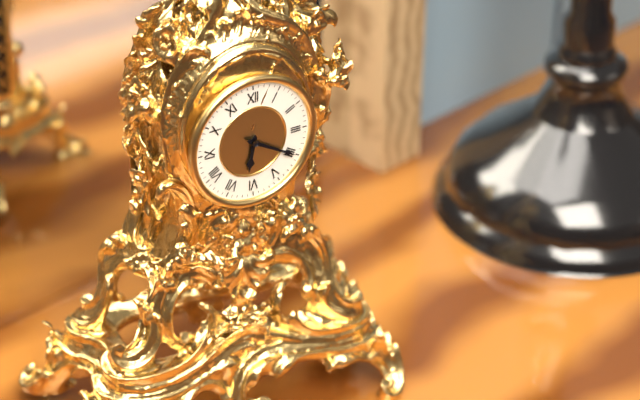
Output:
6:20
